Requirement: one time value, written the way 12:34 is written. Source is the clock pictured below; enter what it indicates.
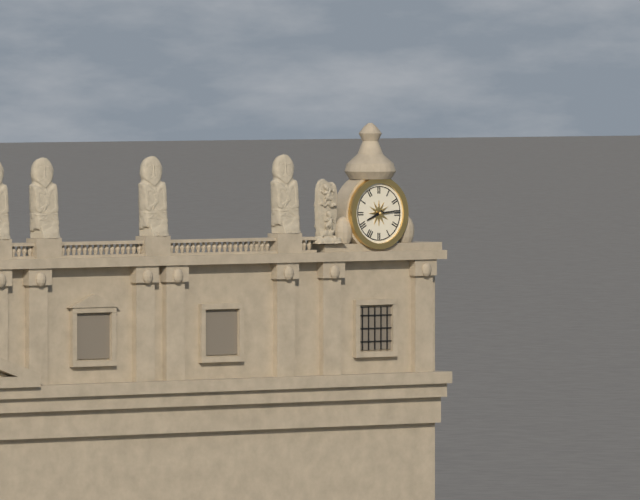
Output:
8:14
